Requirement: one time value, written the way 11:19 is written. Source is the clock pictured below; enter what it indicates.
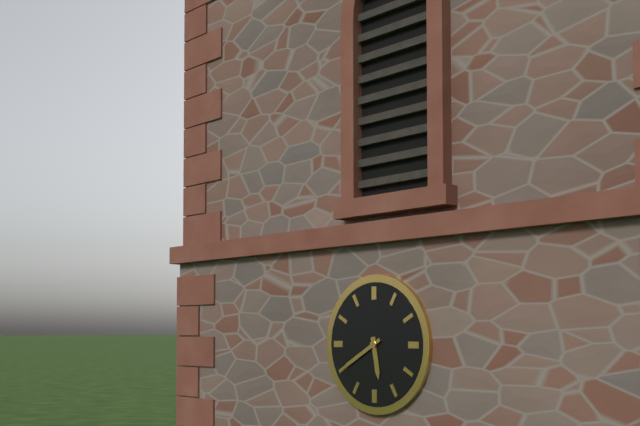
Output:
5:40
